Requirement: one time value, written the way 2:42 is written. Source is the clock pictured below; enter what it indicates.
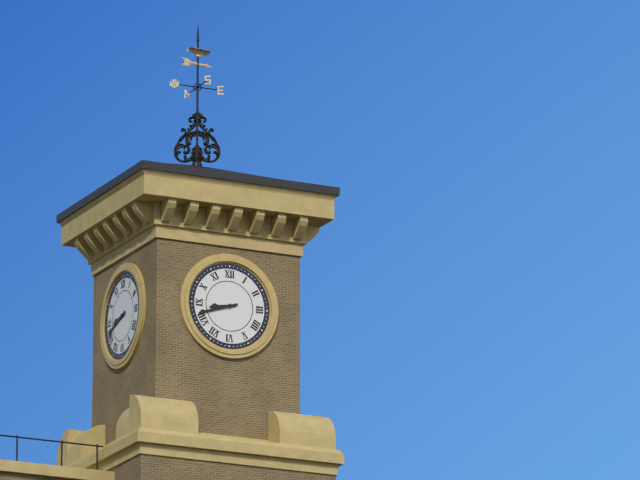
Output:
8:42
